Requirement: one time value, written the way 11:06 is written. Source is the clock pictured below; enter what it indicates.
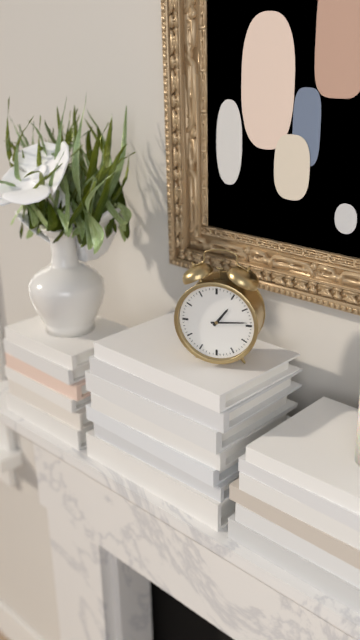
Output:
1:14
